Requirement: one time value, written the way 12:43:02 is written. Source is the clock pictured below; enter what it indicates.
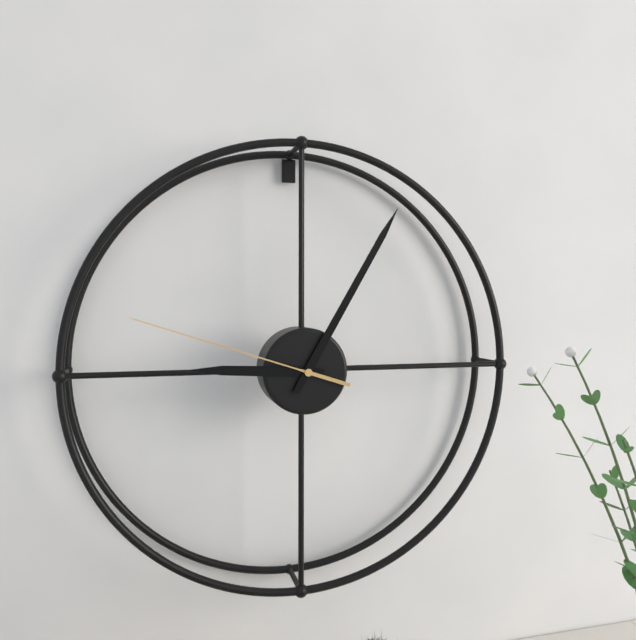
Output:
9:05:48
